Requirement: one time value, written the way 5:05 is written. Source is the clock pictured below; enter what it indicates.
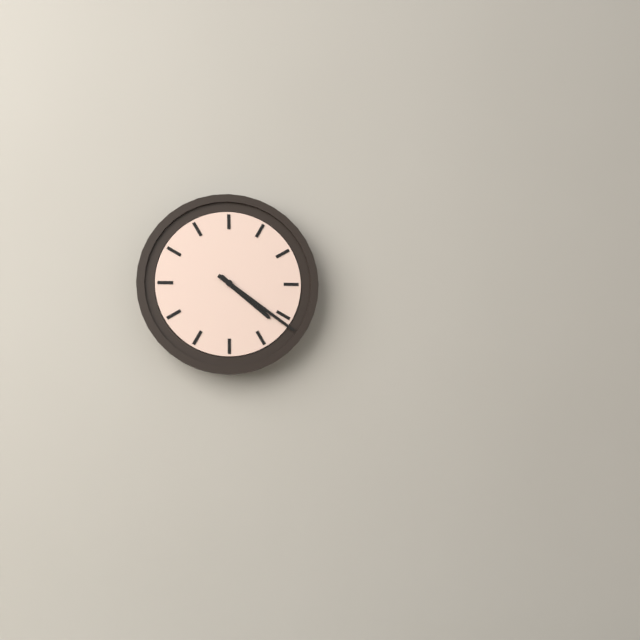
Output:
4:21
